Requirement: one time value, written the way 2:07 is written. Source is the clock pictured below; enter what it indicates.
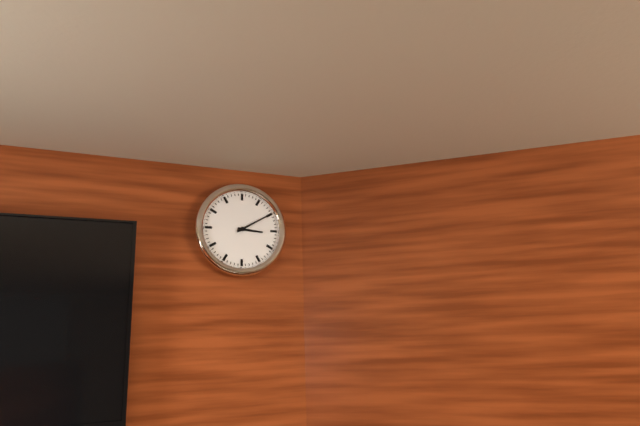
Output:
3:10
